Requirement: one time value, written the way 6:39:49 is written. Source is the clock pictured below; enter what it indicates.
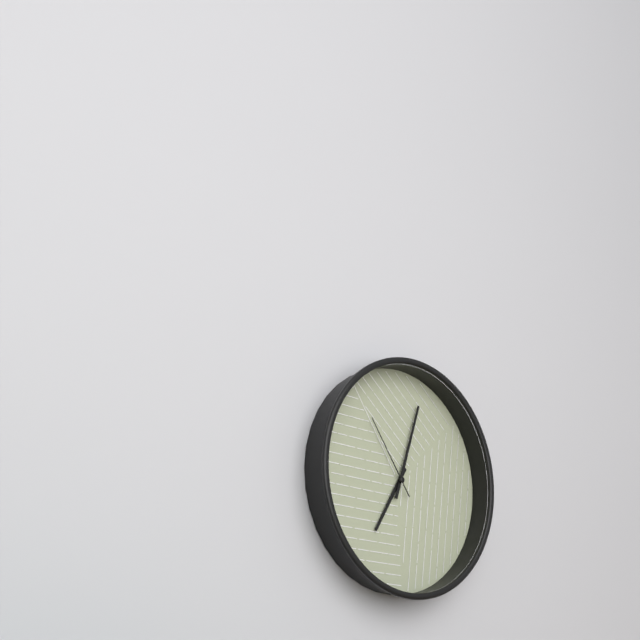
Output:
7:03:54
